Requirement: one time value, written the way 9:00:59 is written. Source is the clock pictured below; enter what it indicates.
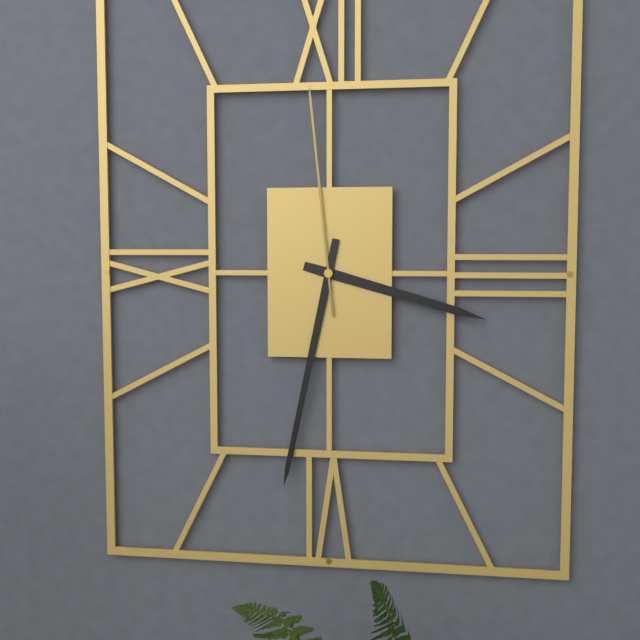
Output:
3:32:59
